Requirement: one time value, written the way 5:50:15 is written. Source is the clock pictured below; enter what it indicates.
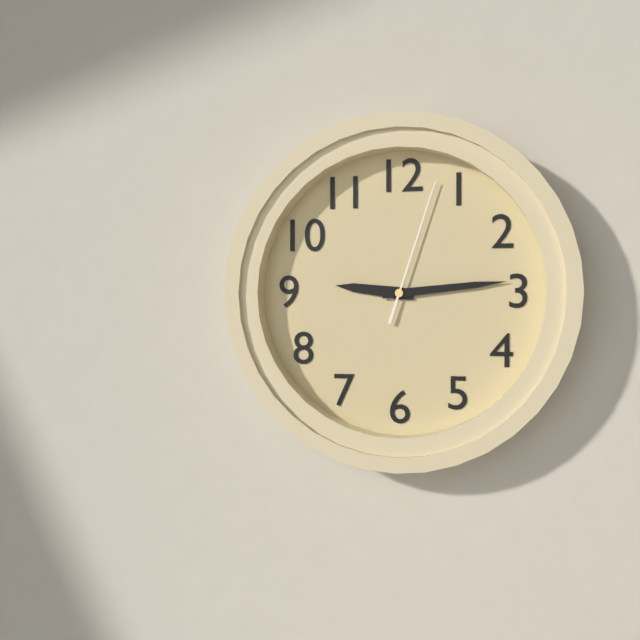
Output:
9:14:03
